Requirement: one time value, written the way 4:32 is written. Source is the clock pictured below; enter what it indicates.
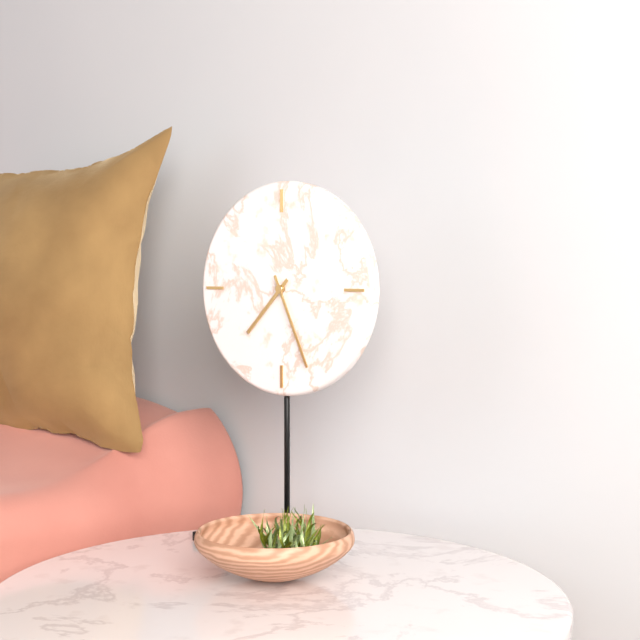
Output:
7:26
